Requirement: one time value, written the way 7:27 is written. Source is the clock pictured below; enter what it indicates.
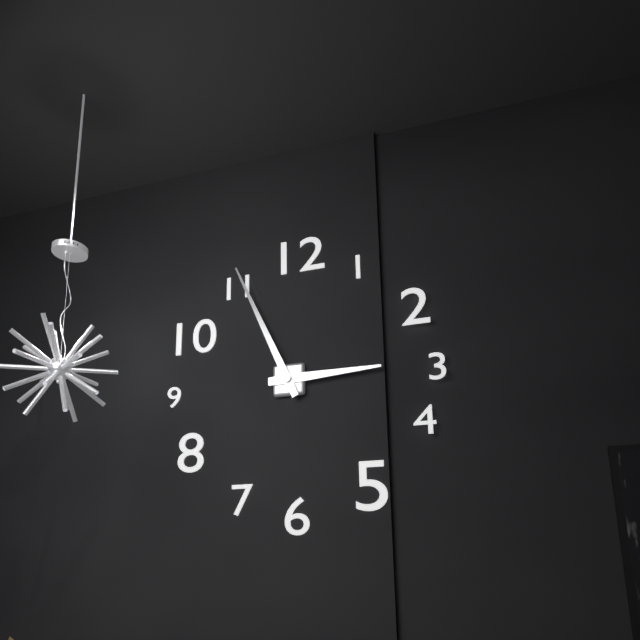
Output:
2:56
